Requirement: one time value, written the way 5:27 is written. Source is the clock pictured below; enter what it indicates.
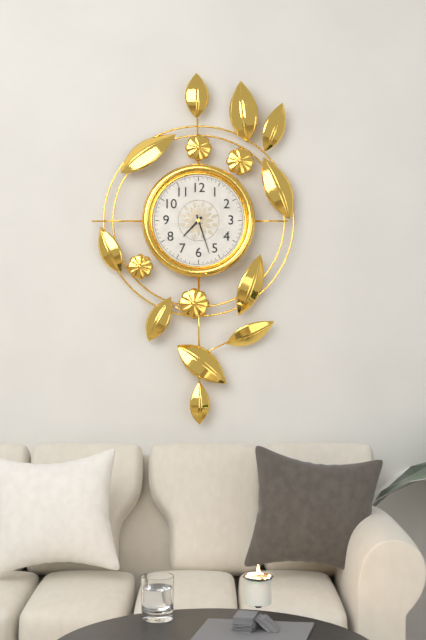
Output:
7:27
